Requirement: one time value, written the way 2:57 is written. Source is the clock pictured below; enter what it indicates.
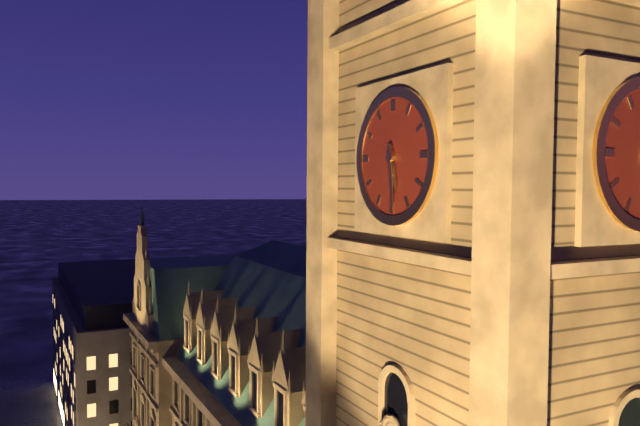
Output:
5:29
